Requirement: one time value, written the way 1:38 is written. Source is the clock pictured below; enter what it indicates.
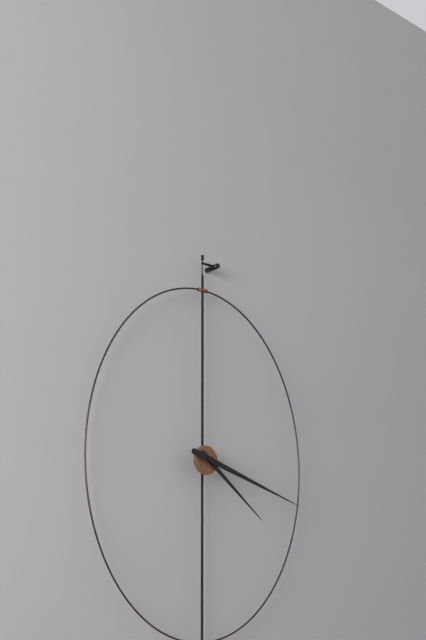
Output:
4:18
